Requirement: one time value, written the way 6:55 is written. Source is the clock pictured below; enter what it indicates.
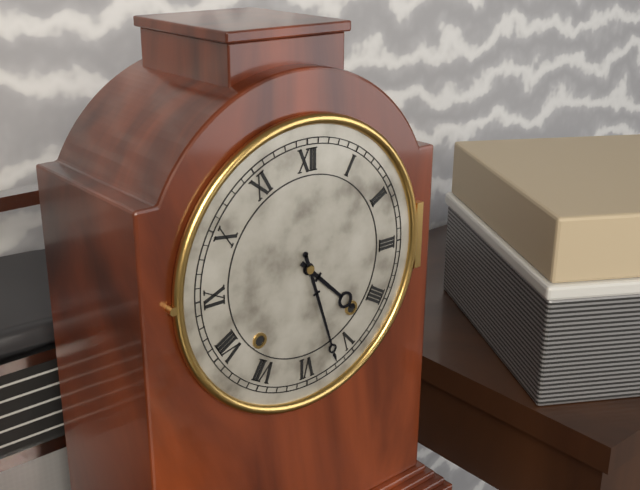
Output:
4:27
